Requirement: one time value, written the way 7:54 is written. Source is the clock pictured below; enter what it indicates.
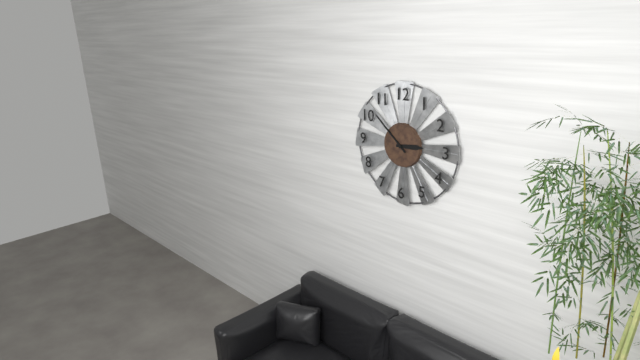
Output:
2:52
